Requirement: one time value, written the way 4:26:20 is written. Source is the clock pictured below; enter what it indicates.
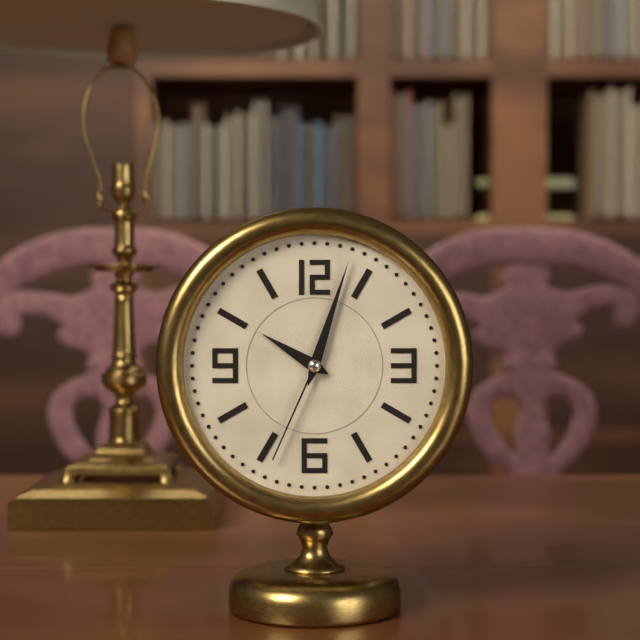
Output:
10:03:34
